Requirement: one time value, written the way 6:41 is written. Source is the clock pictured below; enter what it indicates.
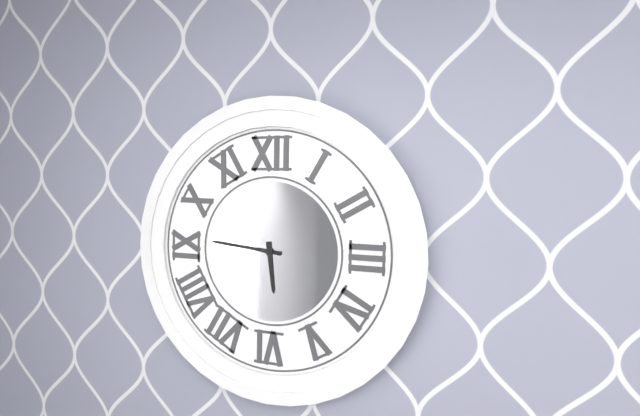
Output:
5:46
